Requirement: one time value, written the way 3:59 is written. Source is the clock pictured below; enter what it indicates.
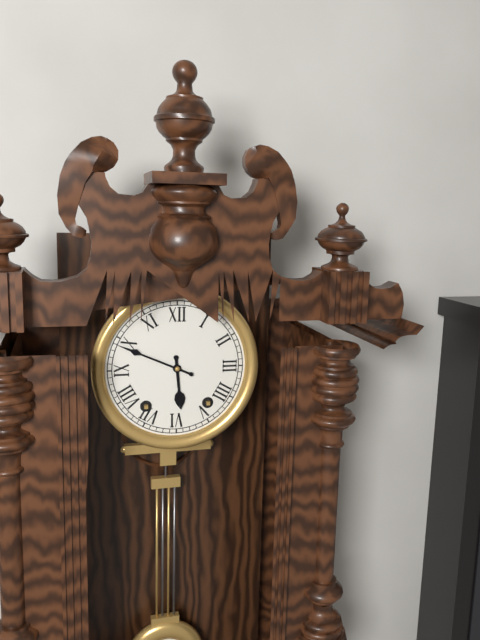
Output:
5:49
